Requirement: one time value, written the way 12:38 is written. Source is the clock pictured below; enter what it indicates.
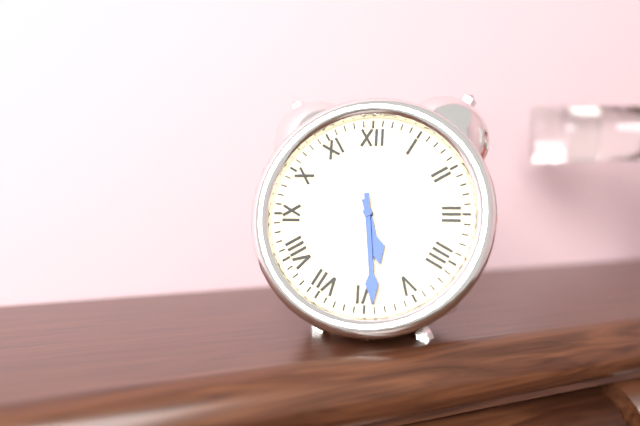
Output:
5:29
